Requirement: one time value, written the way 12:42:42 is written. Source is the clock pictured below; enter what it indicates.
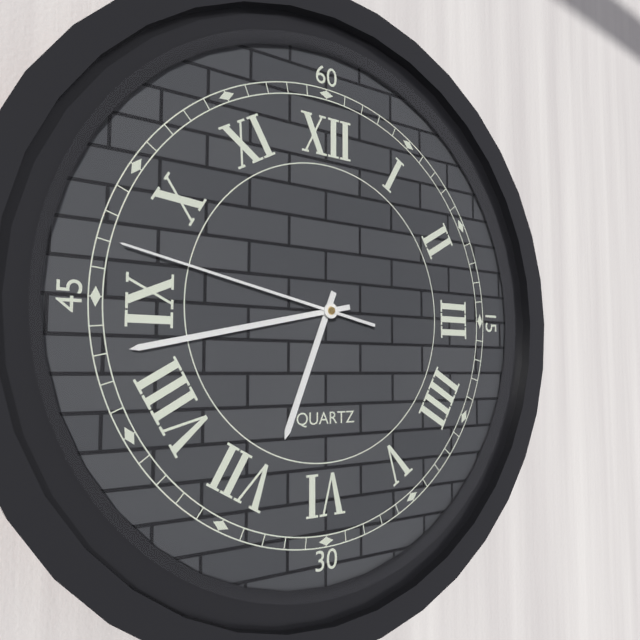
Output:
6:43:47
